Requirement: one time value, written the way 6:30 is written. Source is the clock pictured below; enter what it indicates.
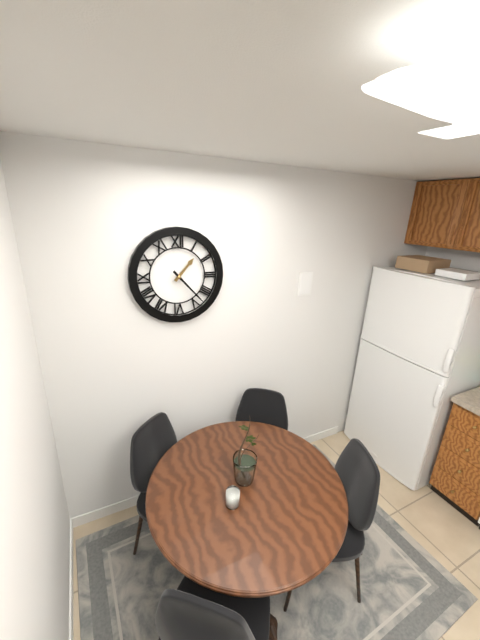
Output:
1:23
